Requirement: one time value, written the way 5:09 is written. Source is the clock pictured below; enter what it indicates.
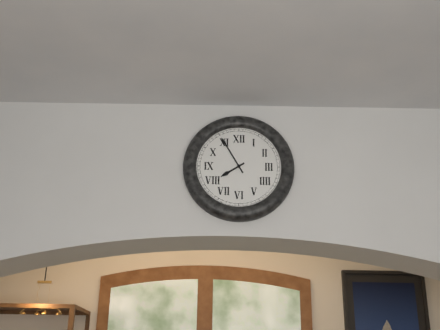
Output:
7:55
